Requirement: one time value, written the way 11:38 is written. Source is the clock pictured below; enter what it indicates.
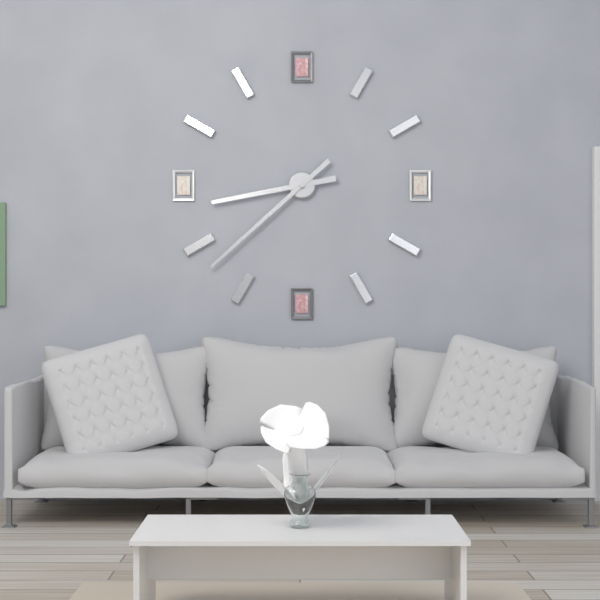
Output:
8:38
